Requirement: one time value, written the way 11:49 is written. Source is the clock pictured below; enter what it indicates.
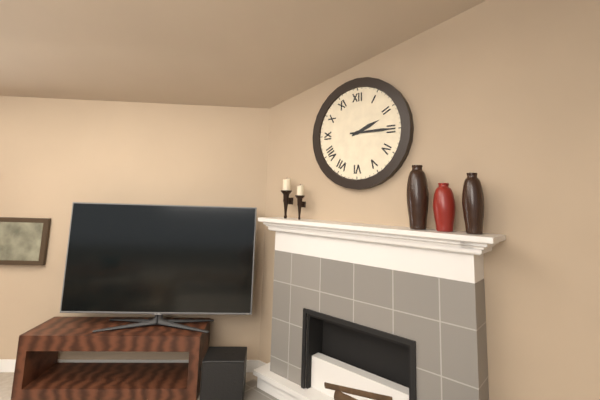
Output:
2:15
